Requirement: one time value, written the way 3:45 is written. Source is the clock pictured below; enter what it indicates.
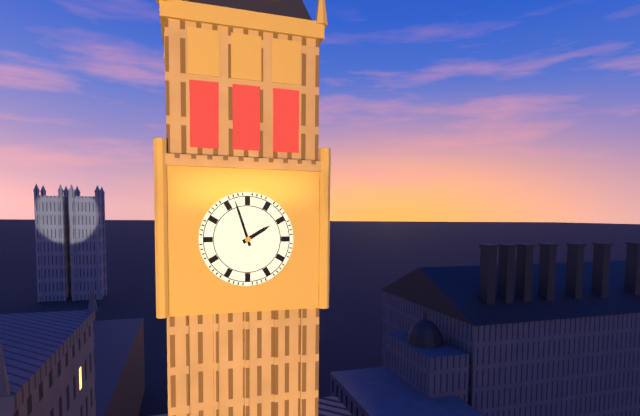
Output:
1:57
